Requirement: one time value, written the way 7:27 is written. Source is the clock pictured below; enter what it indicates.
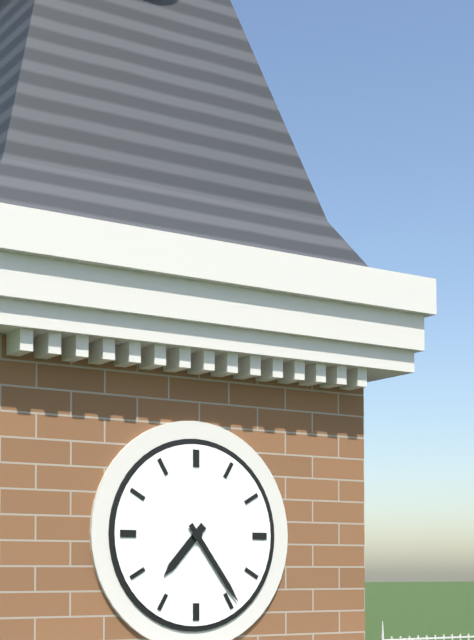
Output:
7:24
